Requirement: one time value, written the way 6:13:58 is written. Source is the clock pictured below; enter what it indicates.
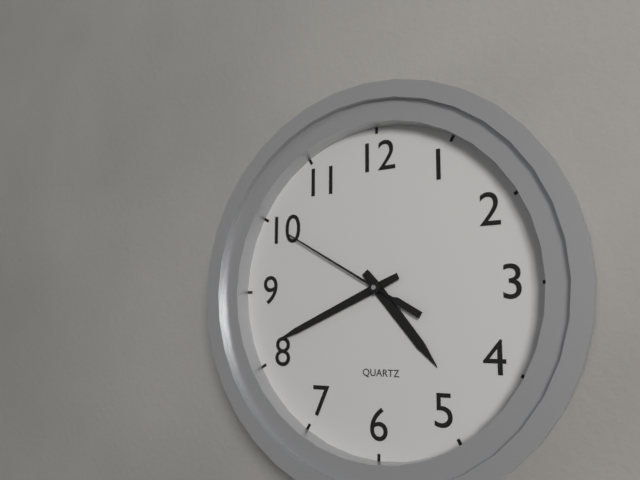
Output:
4:41:50
